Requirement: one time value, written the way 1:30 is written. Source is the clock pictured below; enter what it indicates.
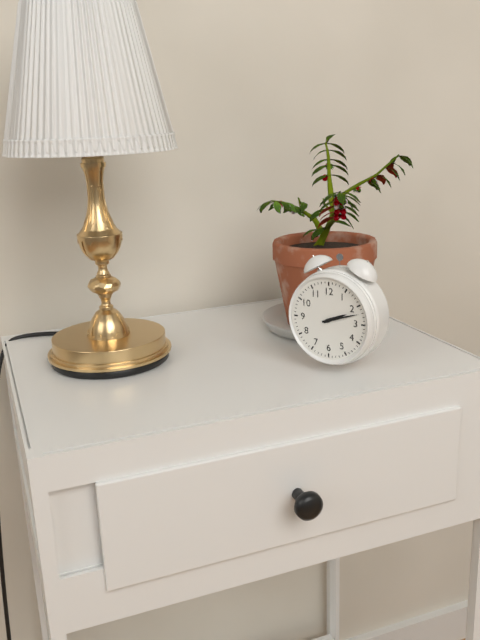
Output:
2:12
